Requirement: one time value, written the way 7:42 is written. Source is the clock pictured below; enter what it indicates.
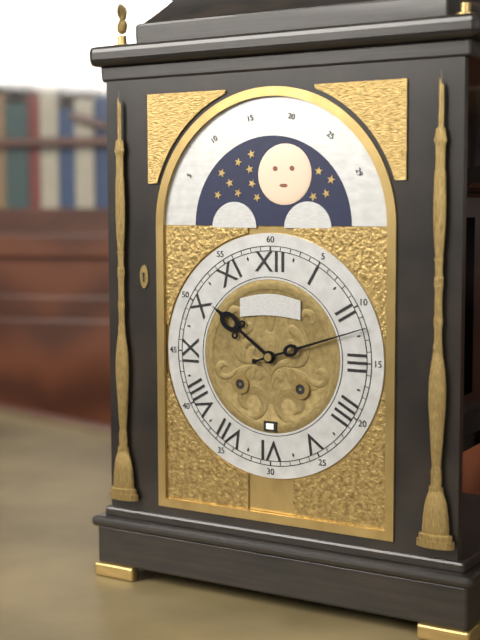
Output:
10:12
